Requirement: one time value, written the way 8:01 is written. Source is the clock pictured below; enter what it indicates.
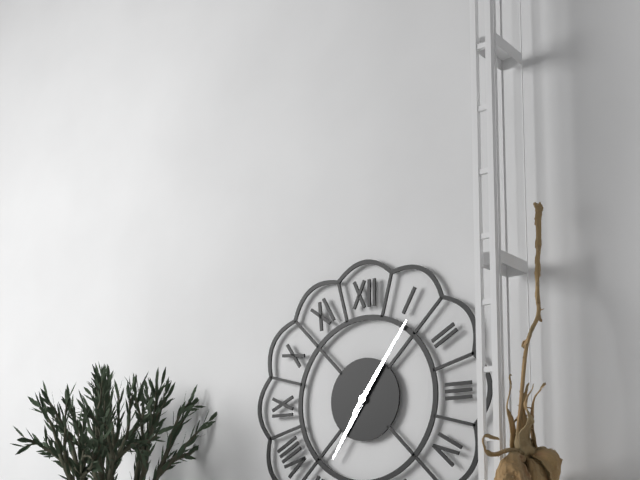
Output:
7:06
